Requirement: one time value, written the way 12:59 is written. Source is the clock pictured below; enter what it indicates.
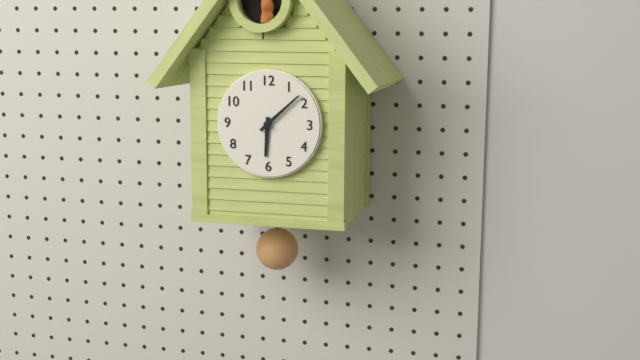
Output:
6:08
